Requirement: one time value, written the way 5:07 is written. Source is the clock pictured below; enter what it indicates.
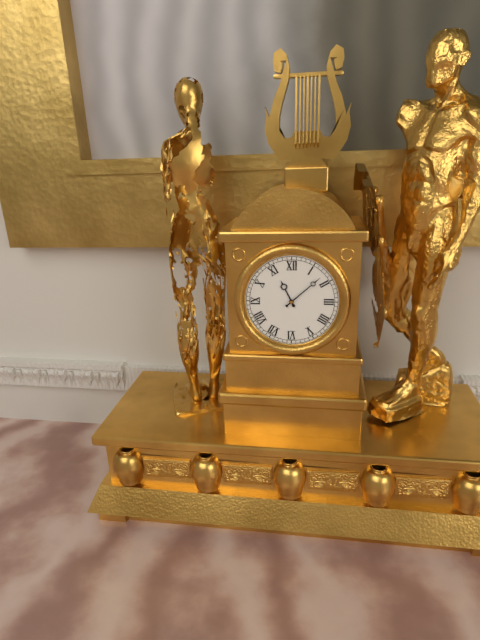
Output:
11:08
